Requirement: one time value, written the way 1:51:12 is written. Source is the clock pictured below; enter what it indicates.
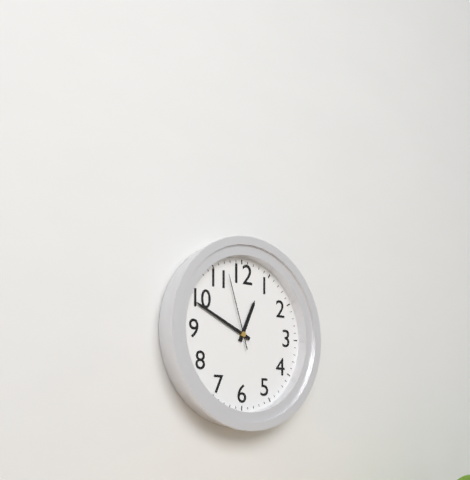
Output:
12:49:57
